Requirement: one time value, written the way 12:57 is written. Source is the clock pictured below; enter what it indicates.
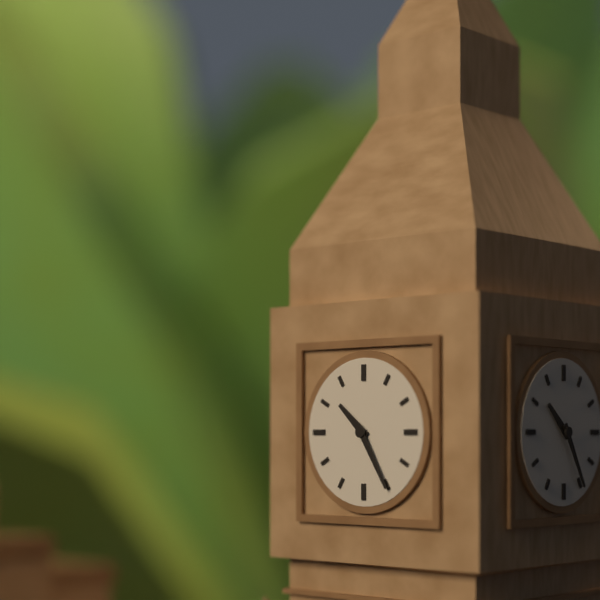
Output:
10:25
